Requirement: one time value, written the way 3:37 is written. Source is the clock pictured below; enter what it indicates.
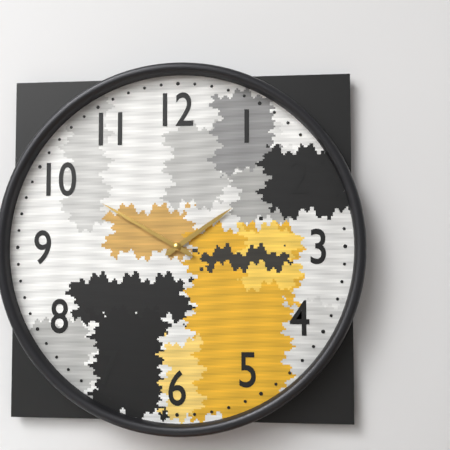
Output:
1:50
